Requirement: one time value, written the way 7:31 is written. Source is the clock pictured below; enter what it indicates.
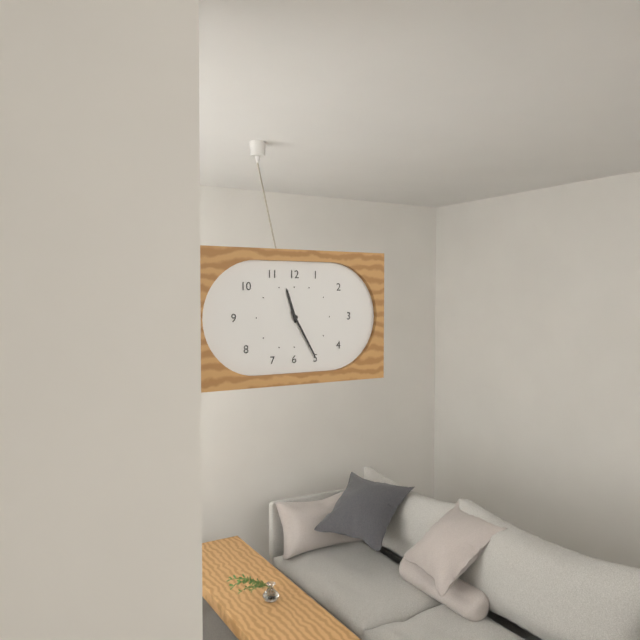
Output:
11:25
